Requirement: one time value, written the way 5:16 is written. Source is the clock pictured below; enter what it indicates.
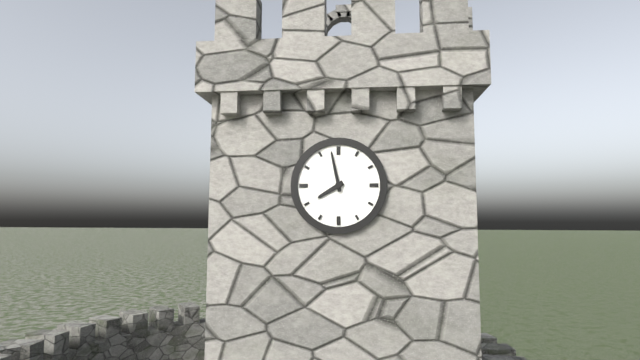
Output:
7:58
